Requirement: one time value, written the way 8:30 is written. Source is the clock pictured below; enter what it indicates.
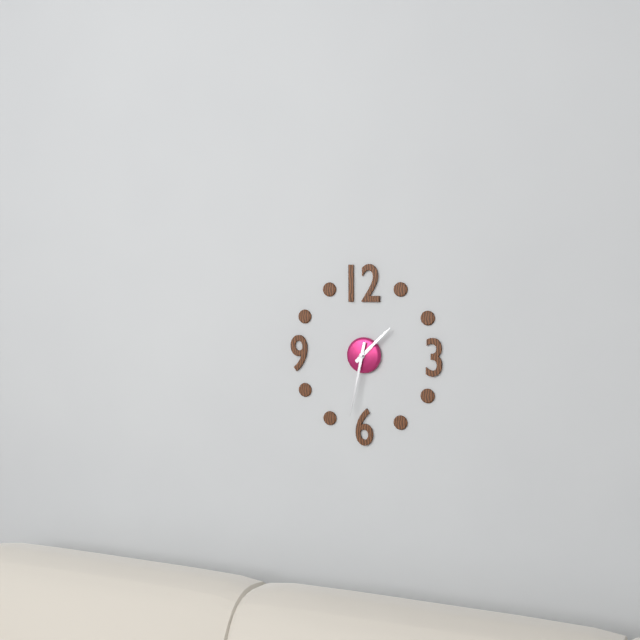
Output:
1:32
